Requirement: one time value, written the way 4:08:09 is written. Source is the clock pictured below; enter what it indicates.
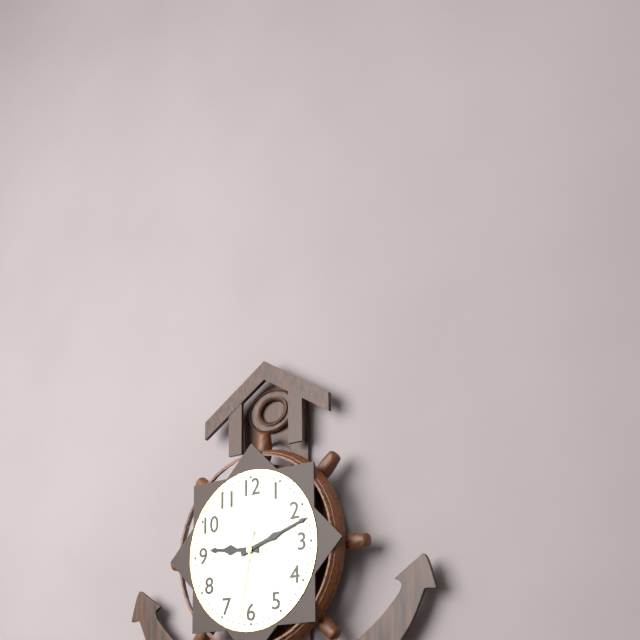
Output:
9:12:32
